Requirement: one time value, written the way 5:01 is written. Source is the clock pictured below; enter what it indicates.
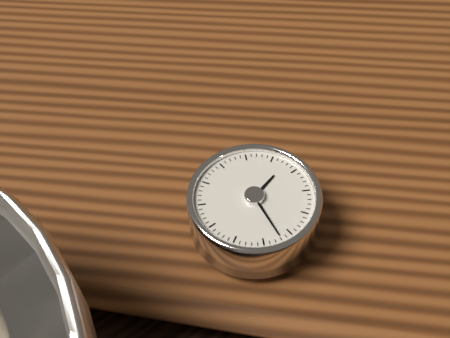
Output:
2:32
